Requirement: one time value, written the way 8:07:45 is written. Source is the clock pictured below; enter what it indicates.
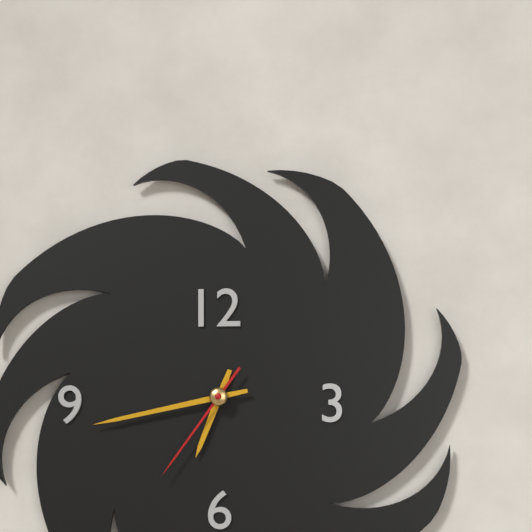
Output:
6:43:36
